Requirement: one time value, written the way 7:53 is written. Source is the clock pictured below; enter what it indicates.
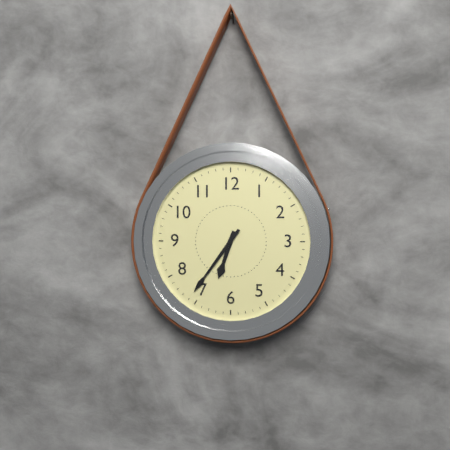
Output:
6:36
